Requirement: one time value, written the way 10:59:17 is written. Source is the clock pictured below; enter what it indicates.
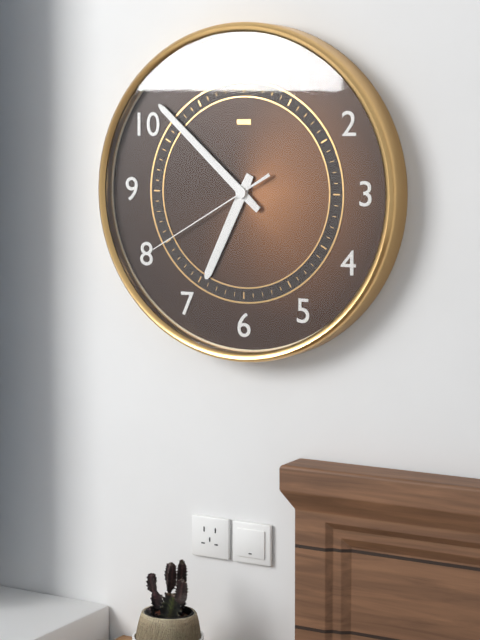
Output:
6:52:40
